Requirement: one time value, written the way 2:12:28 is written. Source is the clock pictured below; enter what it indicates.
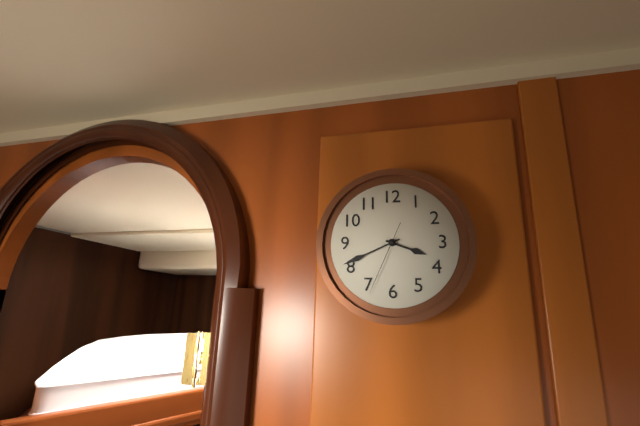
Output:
3:41:34
